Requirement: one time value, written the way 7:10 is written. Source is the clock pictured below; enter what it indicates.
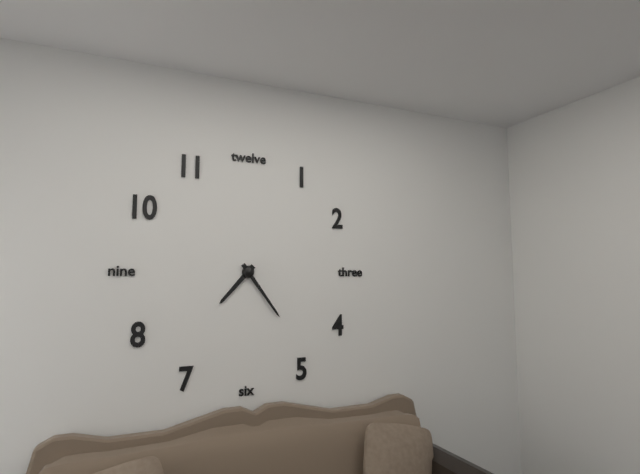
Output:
7:24
